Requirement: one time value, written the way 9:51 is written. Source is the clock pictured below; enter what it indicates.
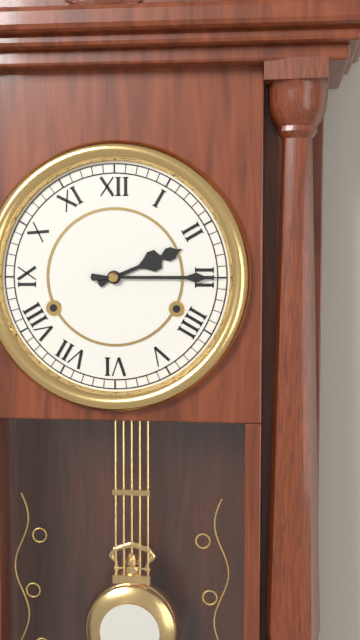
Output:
2:15
